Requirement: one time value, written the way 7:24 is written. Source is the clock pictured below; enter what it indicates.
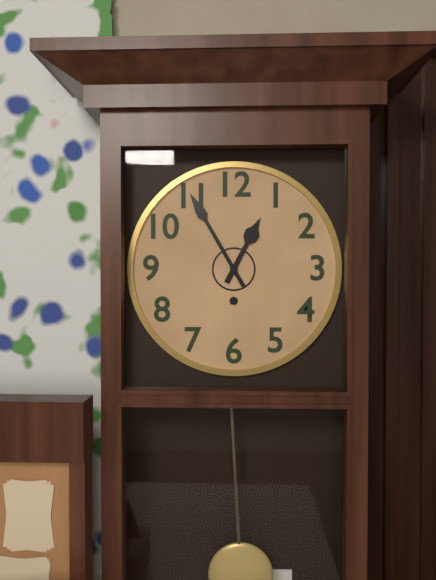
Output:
12:55
